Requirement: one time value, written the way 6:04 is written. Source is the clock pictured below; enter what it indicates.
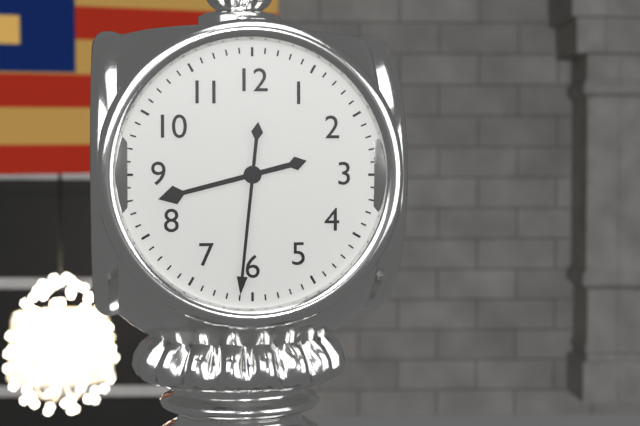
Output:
8:31
